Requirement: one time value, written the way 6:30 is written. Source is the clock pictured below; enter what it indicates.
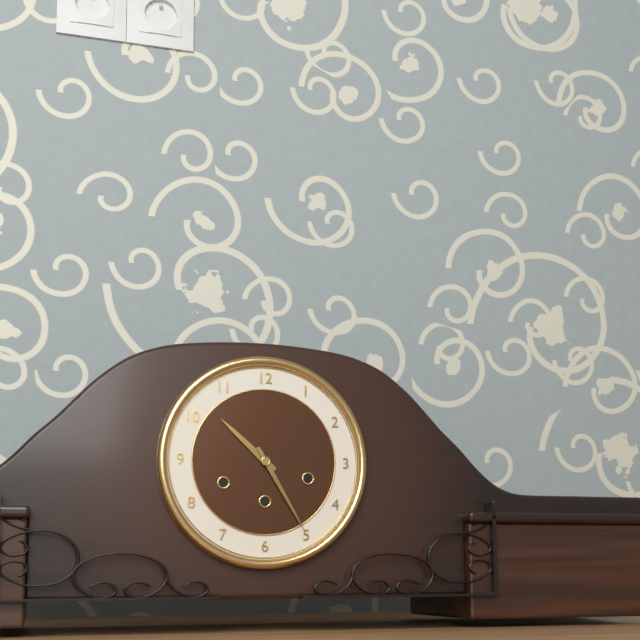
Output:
10:25
